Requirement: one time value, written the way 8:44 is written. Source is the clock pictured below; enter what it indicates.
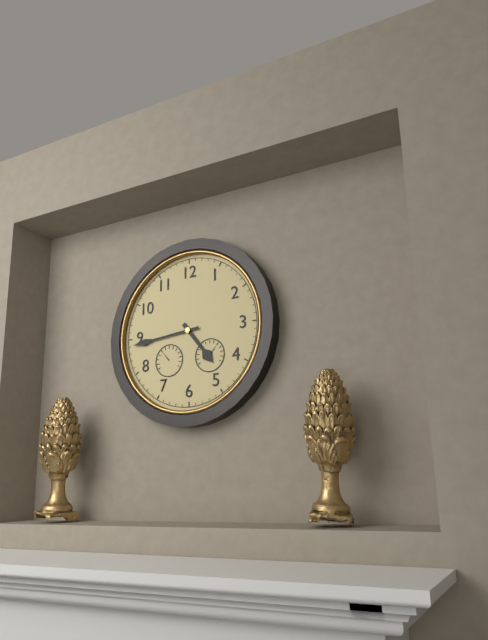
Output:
4:44
